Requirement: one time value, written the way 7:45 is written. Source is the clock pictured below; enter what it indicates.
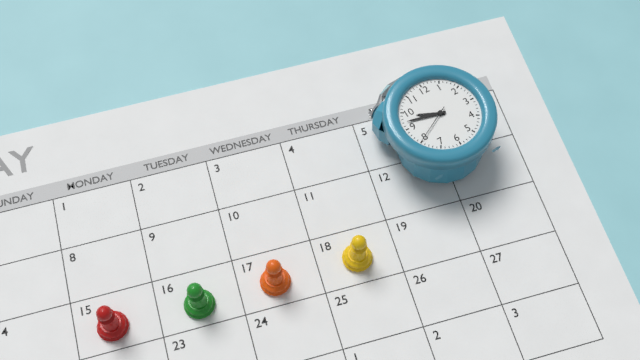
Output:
9:47
